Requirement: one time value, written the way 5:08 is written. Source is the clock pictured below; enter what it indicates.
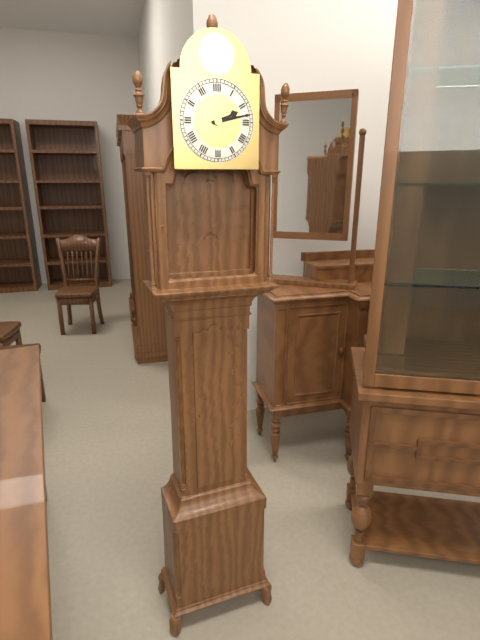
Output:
2:13
